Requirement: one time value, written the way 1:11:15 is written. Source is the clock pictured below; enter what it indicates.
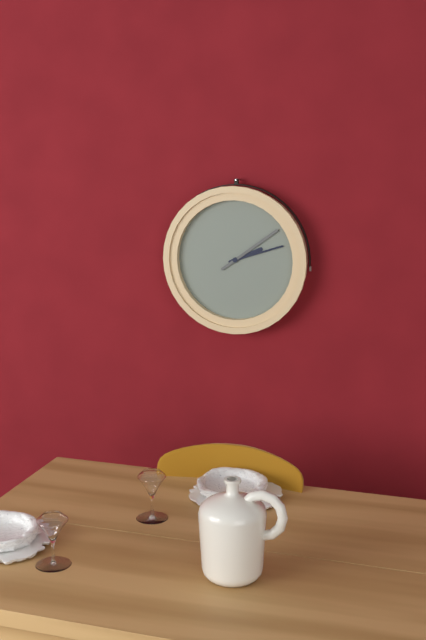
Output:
2:12:09
